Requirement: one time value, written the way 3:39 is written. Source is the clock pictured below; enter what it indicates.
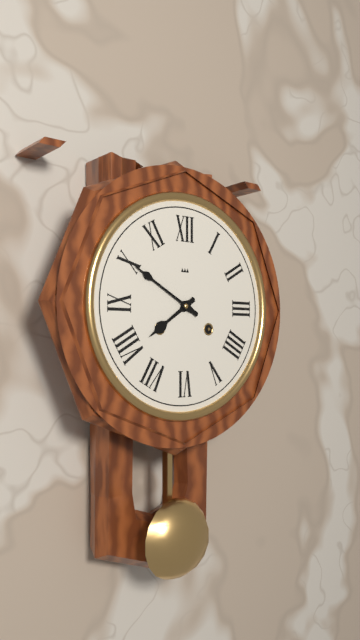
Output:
7:50
